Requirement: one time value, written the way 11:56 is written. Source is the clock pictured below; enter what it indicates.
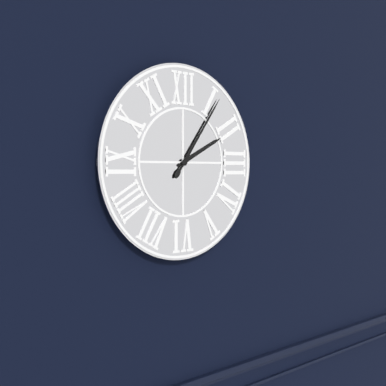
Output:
2:06
